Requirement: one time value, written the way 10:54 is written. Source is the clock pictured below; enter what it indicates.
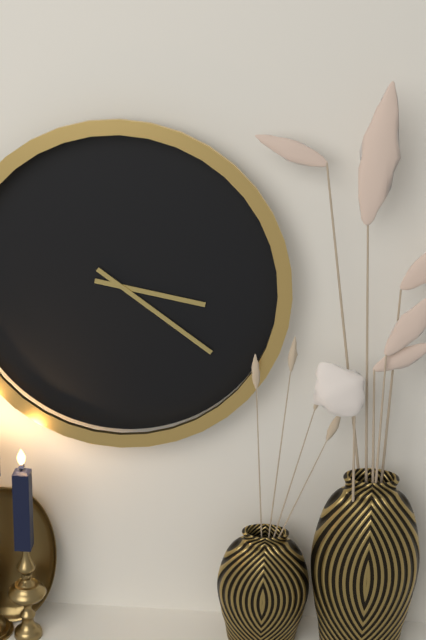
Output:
3:21
